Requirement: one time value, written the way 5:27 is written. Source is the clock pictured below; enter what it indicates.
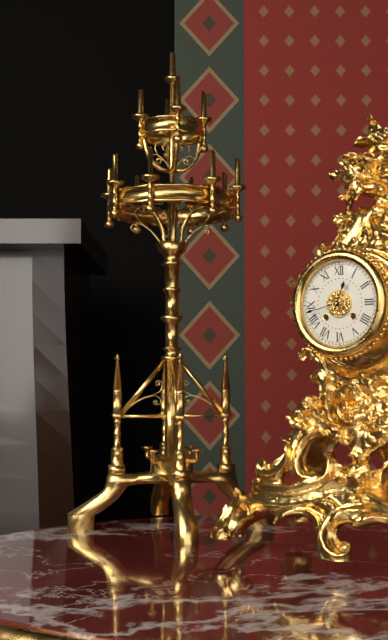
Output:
12:43
